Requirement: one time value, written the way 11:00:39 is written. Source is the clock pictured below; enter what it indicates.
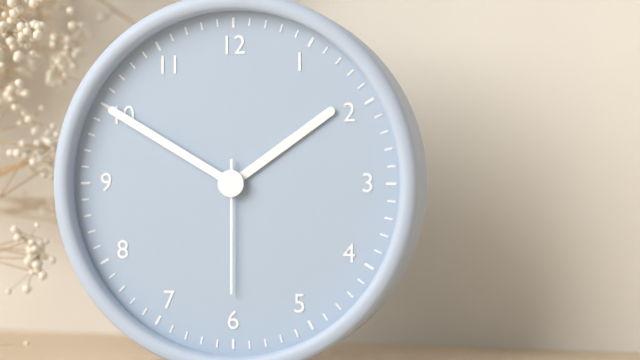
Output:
1:50:30
